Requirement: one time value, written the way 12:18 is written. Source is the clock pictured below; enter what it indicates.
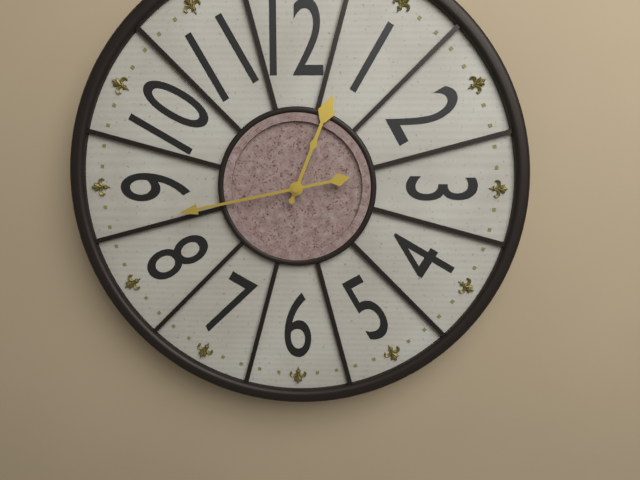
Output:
12:43
